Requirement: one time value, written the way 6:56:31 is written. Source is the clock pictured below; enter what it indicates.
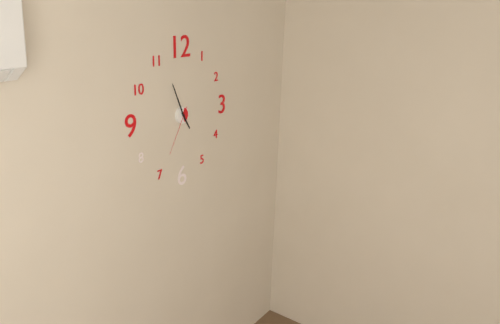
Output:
4:56:35
